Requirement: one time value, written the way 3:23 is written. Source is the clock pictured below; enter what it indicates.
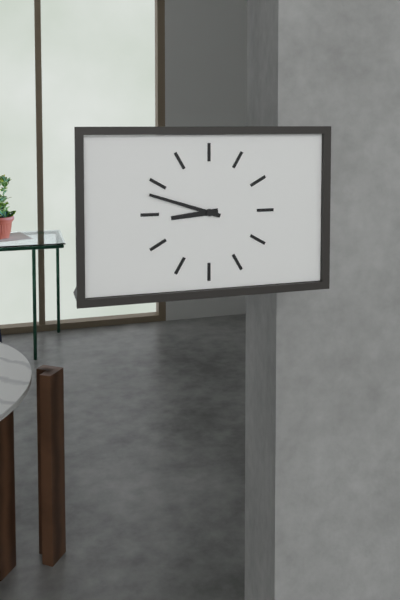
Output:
8:48
